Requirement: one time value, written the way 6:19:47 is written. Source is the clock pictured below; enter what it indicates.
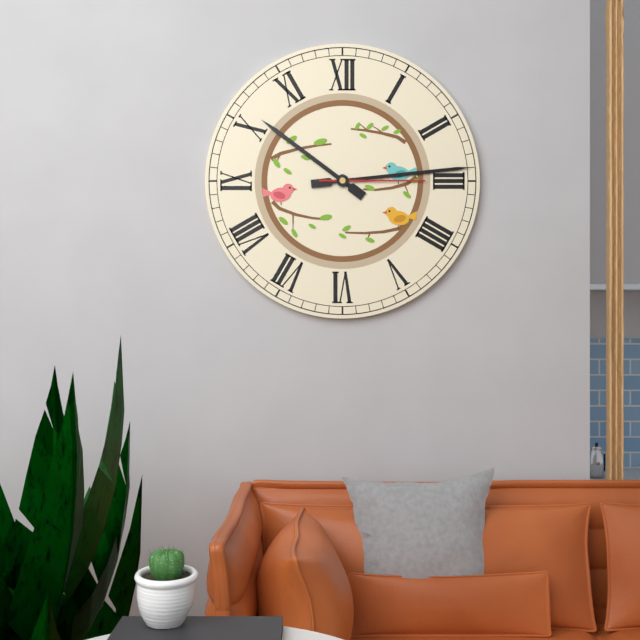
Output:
10:14:15
